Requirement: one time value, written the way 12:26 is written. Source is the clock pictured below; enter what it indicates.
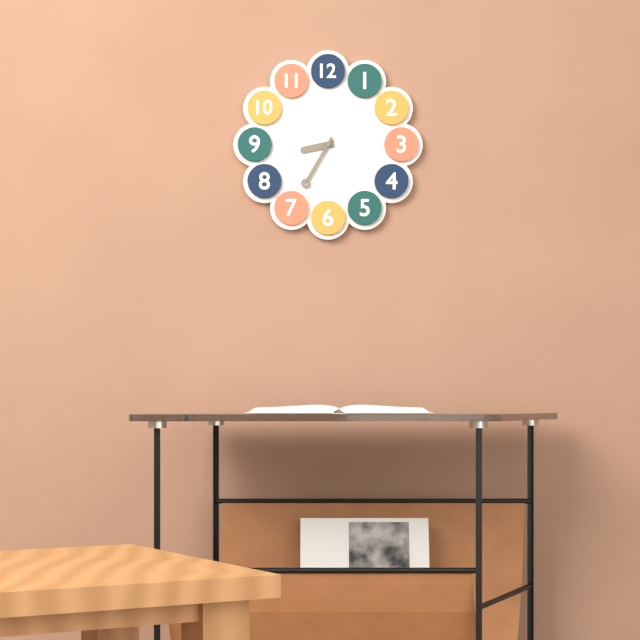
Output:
8:35
